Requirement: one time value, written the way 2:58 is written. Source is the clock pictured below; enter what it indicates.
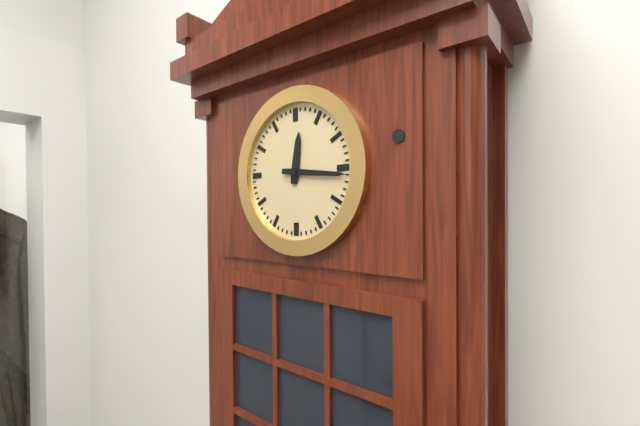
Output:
12:16
